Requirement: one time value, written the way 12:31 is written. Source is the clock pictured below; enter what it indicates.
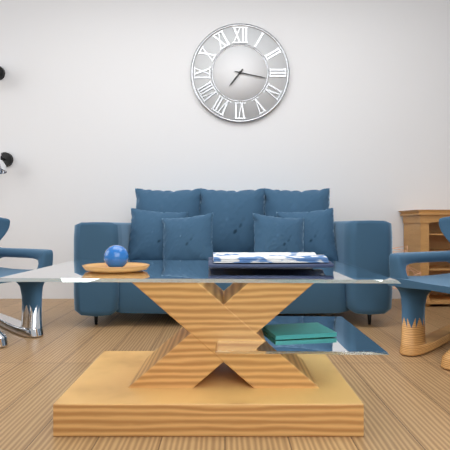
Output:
7:17
